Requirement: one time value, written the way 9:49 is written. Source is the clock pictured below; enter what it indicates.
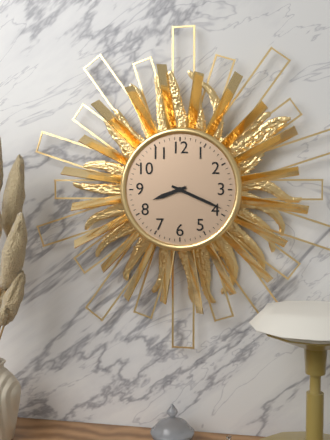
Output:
8:19
